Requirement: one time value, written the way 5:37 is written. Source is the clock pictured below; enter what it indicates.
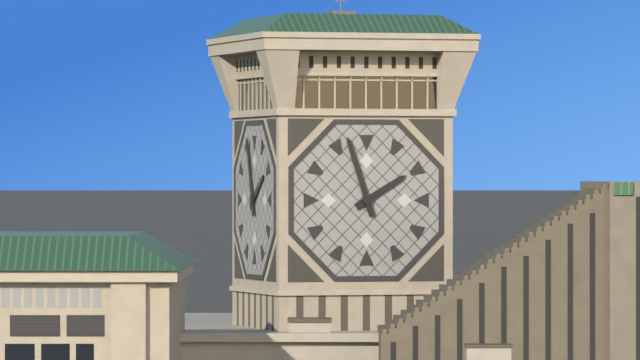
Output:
1:57
